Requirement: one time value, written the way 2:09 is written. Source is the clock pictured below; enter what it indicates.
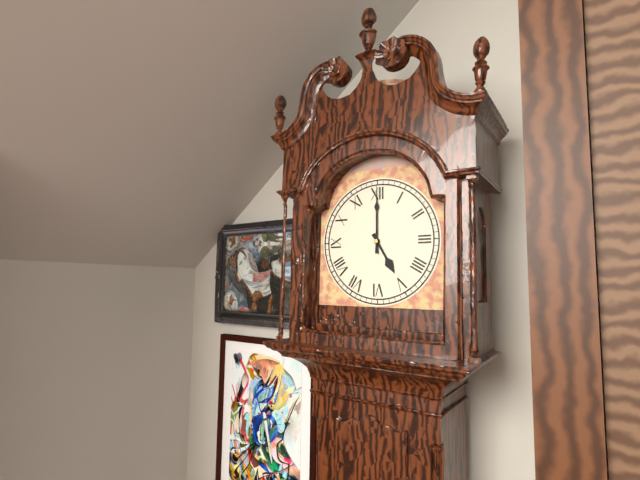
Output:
5:00
